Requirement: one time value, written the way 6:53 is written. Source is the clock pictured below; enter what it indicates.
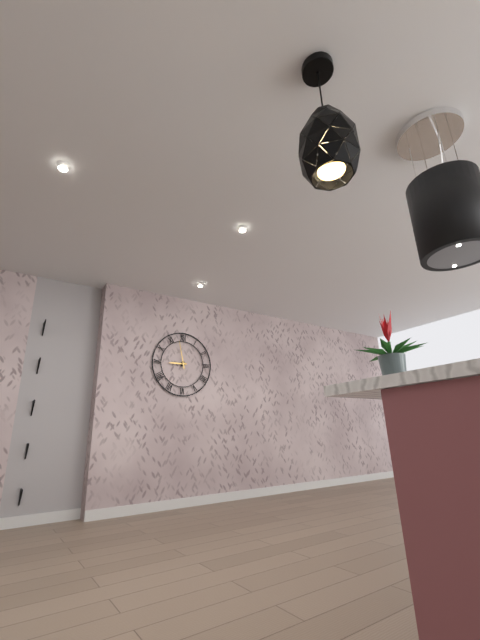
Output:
8:58
